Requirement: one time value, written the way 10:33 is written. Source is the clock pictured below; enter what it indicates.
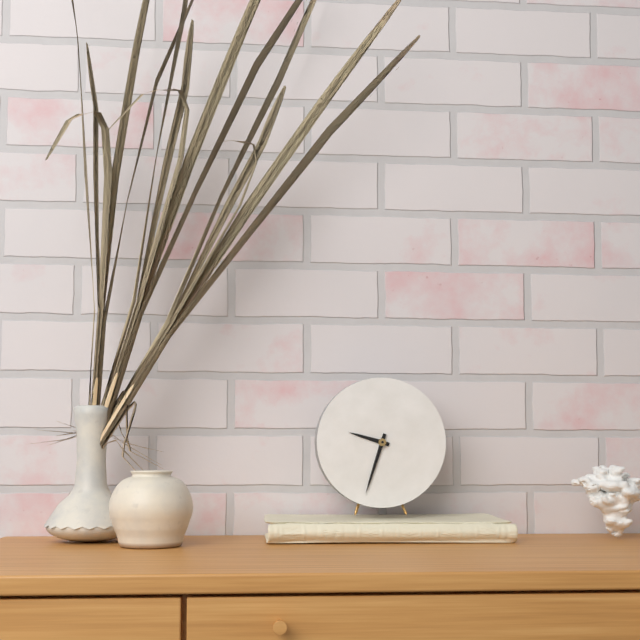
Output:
9:33
